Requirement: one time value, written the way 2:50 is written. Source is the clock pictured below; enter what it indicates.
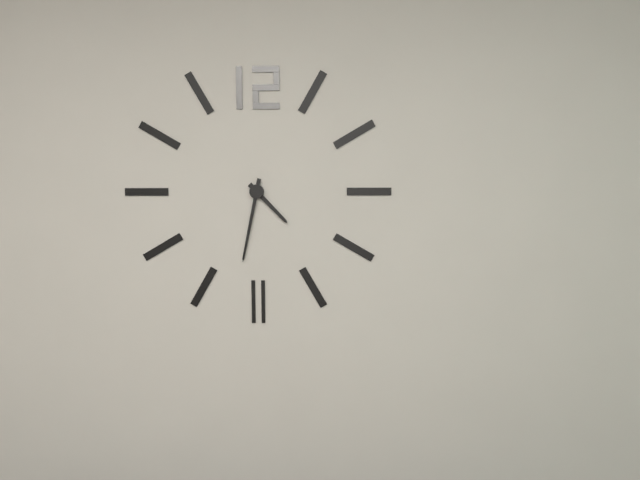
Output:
4:32
